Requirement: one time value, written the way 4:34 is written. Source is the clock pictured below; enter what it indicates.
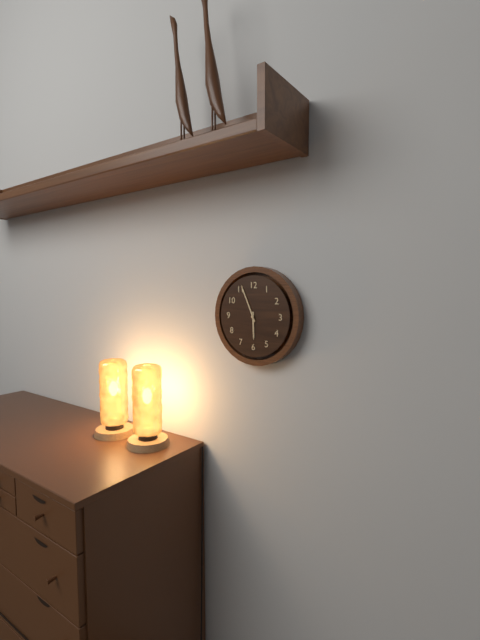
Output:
5:56
